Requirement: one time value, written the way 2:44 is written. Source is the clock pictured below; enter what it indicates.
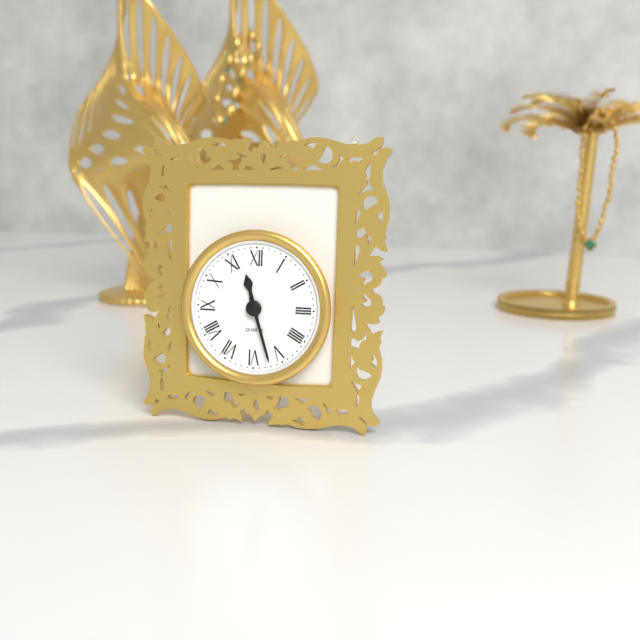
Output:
11:27
